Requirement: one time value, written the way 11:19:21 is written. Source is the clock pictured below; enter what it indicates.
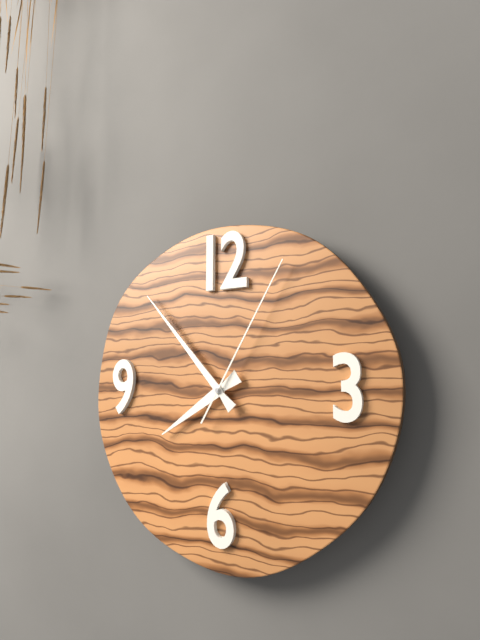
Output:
7:53:05
